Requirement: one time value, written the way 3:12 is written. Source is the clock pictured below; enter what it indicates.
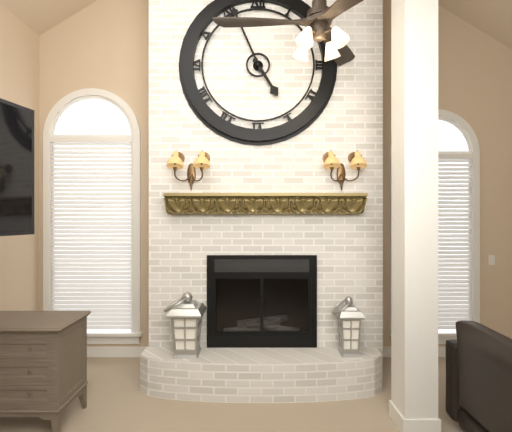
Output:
4:56
